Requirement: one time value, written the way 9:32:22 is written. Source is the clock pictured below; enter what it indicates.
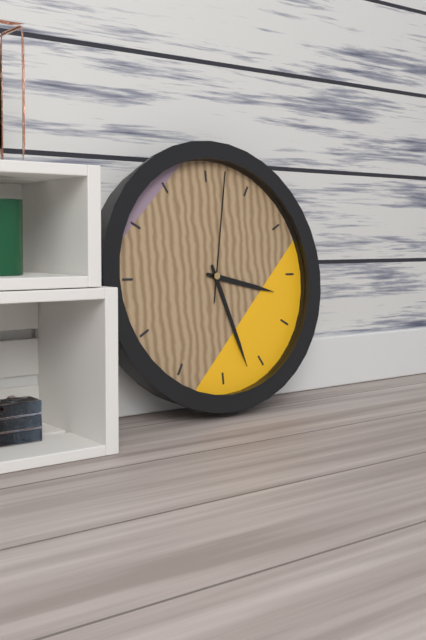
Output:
3:27:02
